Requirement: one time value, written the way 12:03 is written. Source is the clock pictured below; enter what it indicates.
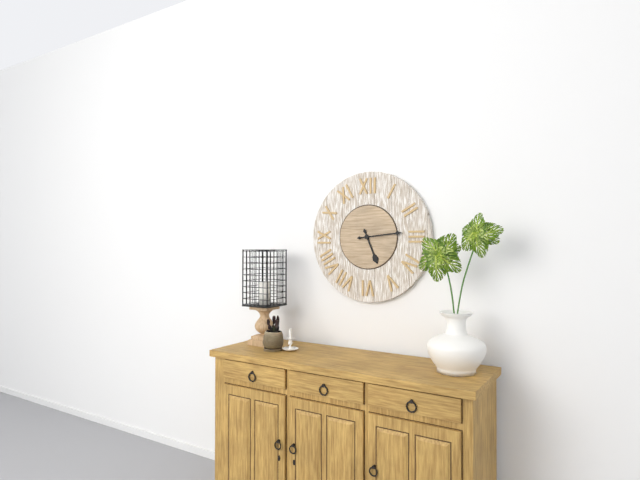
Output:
5:14
